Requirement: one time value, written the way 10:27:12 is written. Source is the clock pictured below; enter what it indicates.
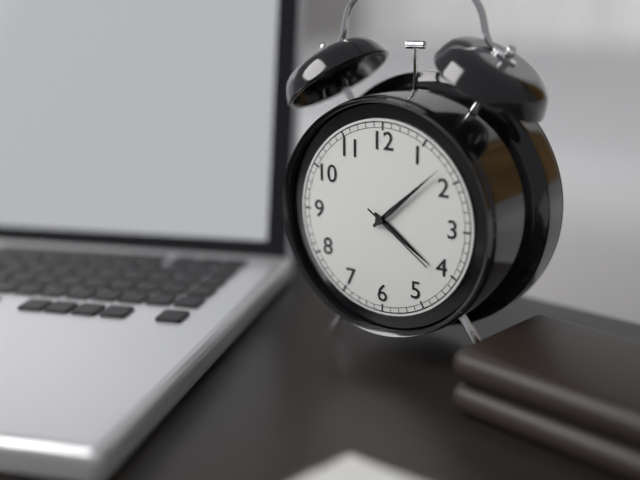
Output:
4:08:21
